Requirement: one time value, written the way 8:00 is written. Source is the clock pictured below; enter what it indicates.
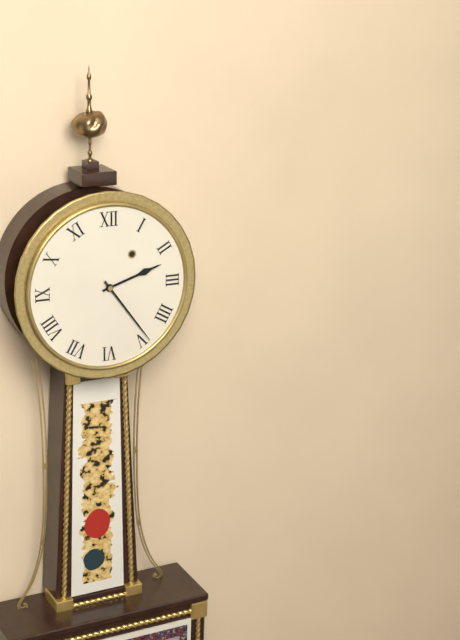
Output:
2:24
